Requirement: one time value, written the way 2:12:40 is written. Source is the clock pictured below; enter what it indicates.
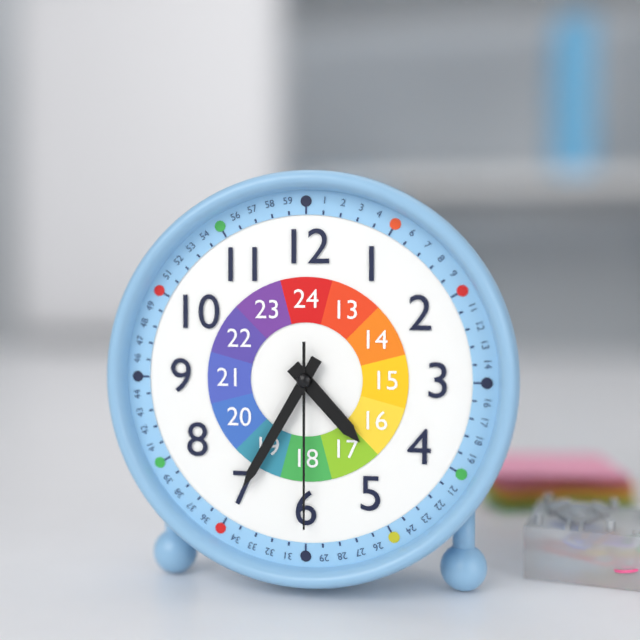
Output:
4:35:30
